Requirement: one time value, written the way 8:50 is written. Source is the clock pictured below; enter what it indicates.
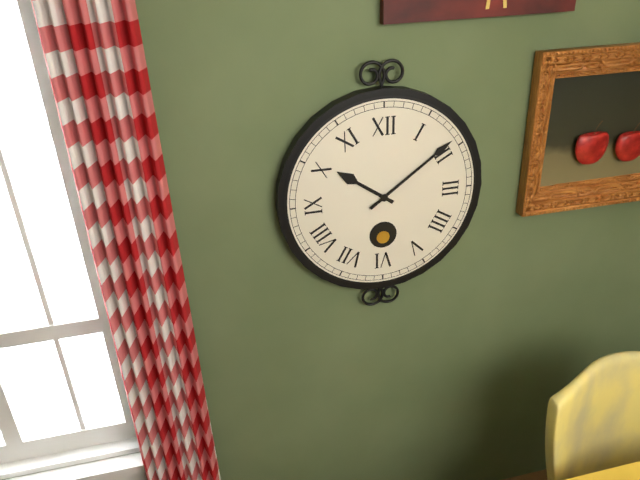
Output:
10:09
